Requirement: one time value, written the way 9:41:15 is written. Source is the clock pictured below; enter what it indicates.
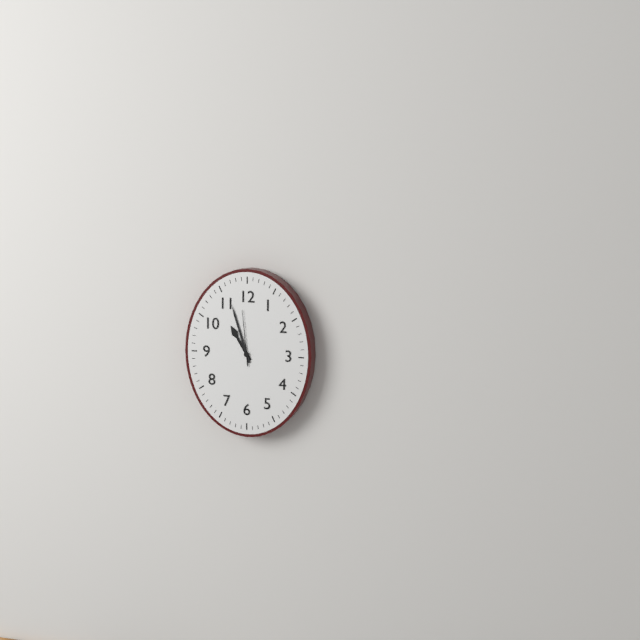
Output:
10:57:59
